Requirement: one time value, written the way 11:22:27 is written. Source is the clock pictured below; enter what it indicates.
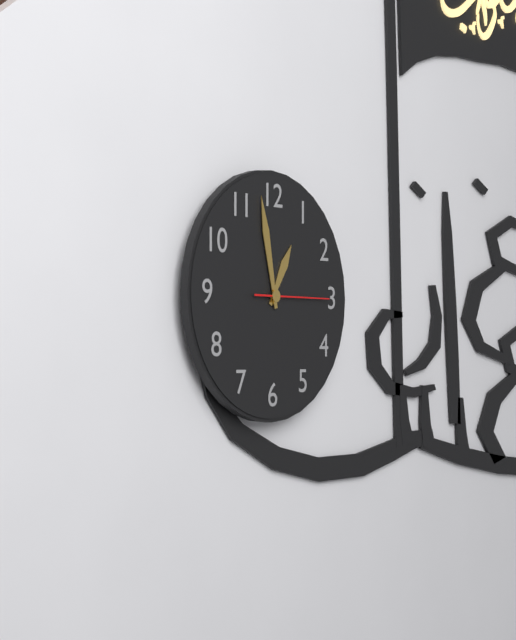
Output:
12:58:15
